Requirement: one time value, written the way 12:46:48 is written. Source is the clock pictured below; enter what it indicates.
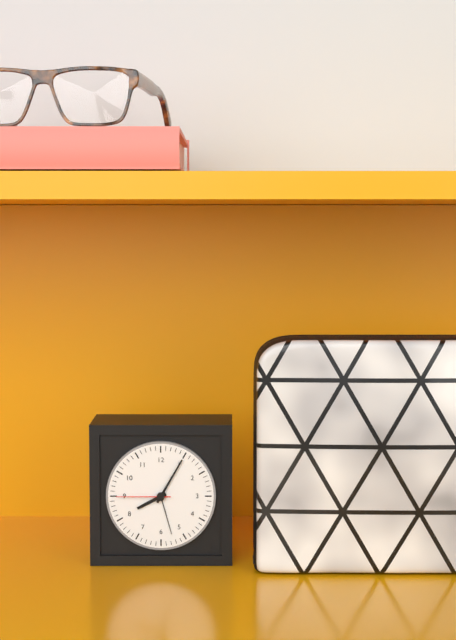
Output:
8:05:45
